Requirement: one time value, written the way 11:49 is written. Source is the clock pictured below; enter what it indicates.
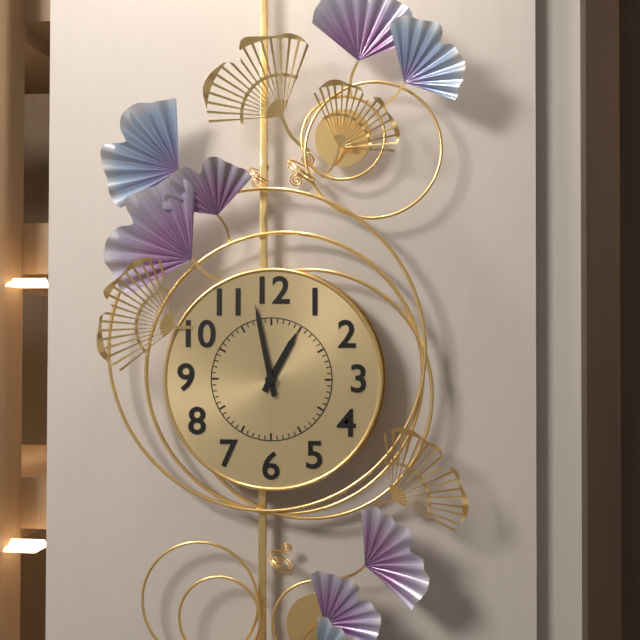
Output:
12:58
